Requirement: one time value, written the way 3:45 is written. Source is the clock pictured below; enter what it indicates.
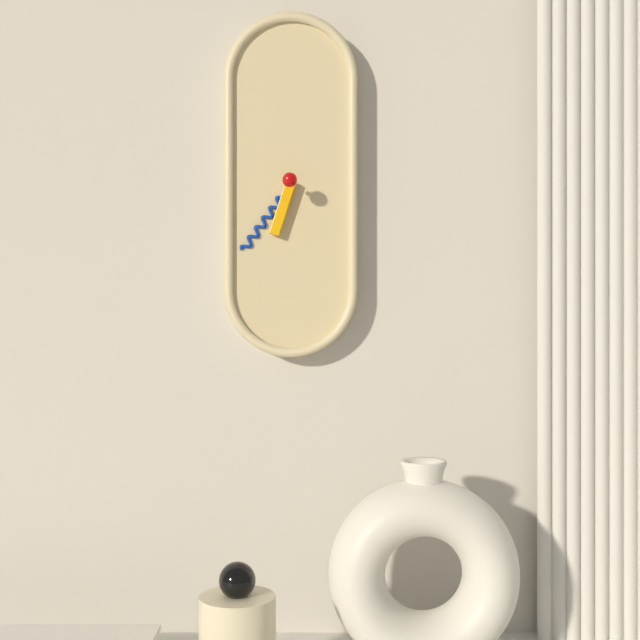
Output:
6:36
